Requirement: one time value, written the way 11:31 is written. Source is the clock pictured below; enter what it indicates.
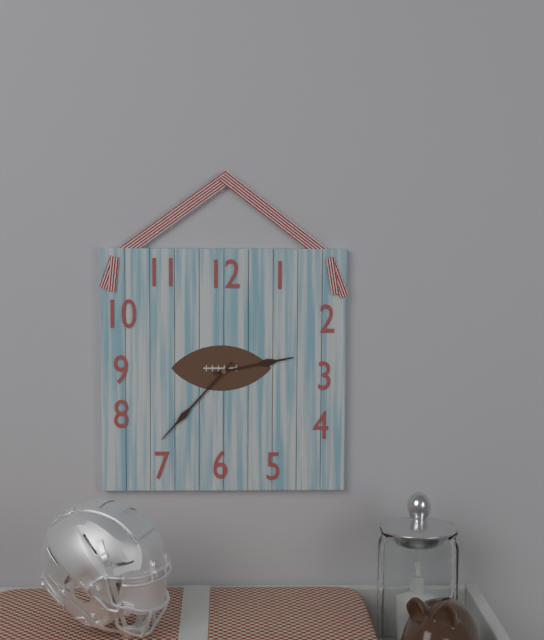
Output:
2:37
